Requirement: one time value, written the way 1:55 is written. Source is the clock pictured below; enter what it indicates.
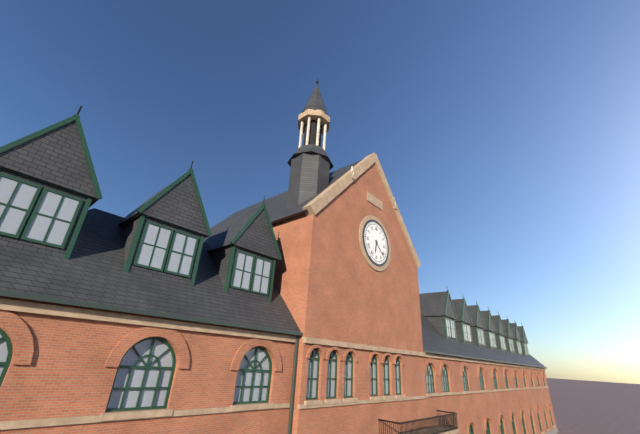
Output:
6:22
